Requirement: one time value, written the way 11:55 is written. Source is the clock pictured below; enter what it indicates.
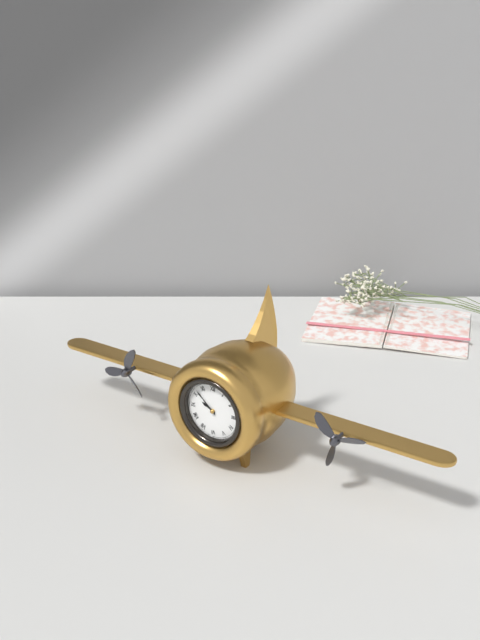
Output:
9:52
